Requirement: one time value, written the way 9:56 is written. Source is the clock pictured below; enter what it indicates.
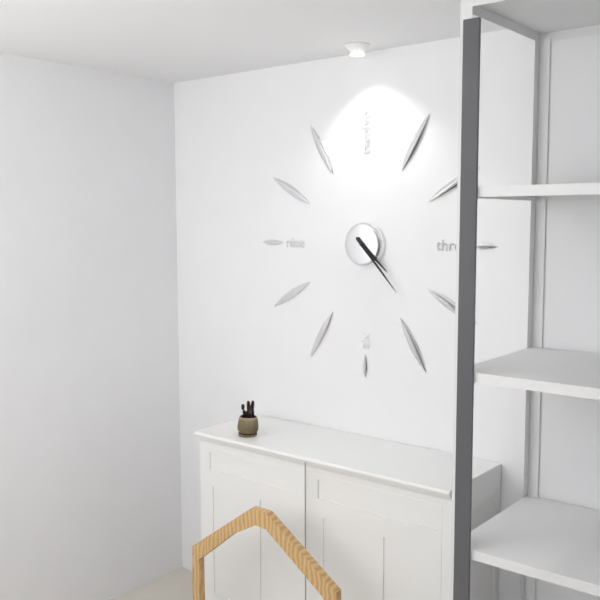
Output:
4:23
